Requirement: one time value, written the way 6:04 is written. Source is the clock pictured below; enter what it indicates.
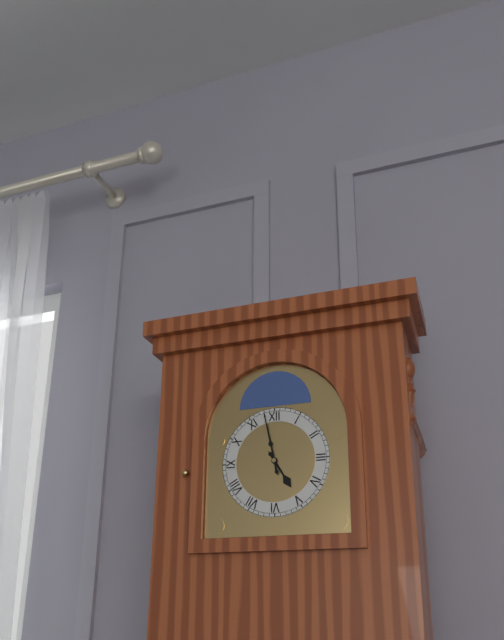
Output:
4:58
